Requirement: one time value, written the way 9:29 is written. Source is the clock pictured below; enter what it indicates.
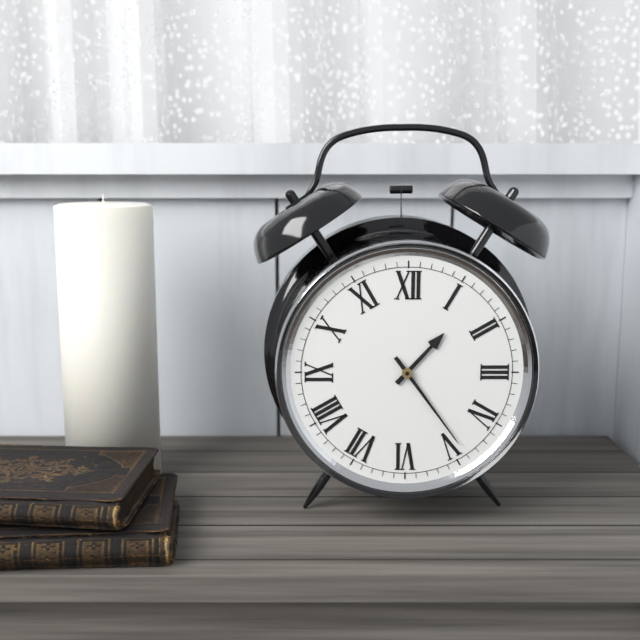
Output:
1:24
